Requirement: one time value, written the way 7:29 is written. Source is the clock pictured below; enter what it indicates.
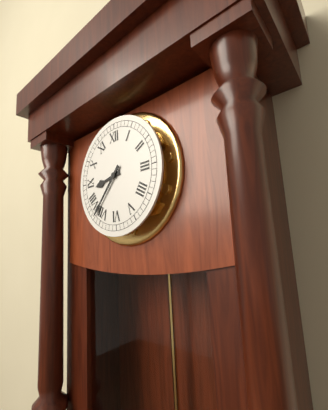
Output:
8:37
